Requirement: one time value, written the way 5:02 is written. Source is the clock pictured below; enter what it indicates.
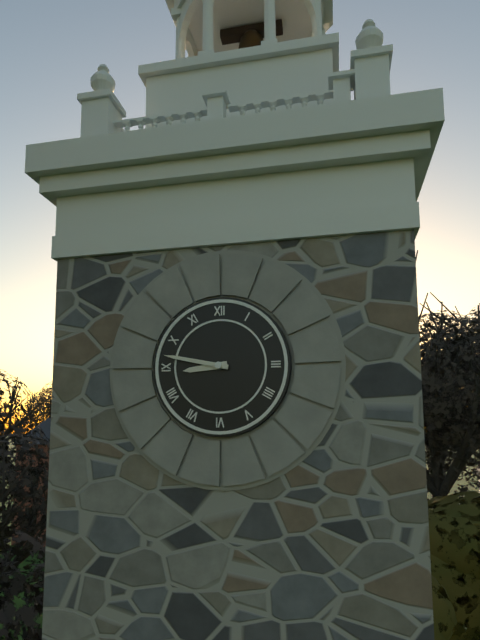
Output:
8:47
